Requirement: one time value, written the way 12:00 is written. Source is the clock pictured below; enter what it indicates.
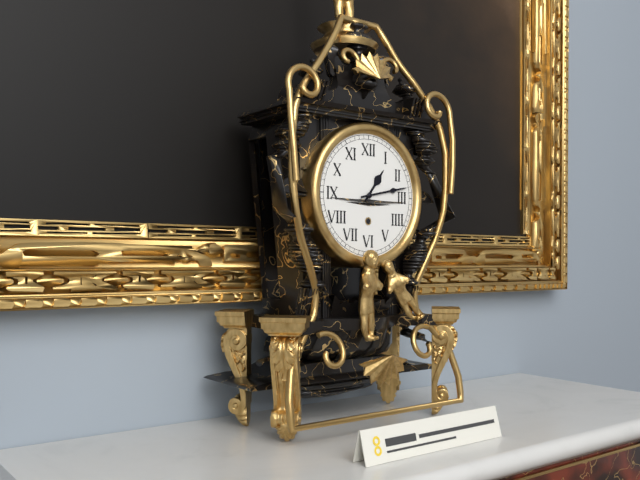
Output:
1:13
